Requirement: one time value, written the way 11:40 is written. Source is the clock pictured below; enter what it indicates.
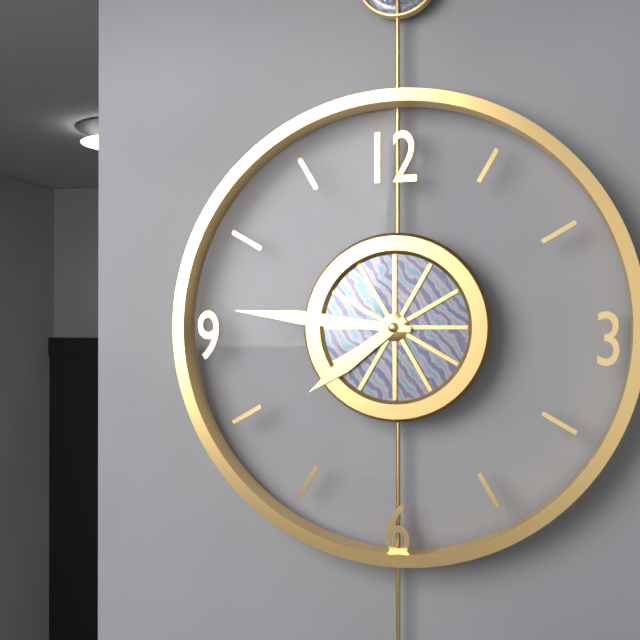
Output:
7:46
